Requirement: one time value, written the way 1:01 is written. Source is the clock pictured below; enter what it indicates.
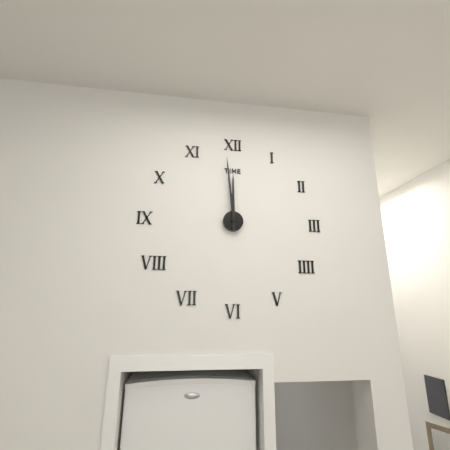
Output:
11:59
